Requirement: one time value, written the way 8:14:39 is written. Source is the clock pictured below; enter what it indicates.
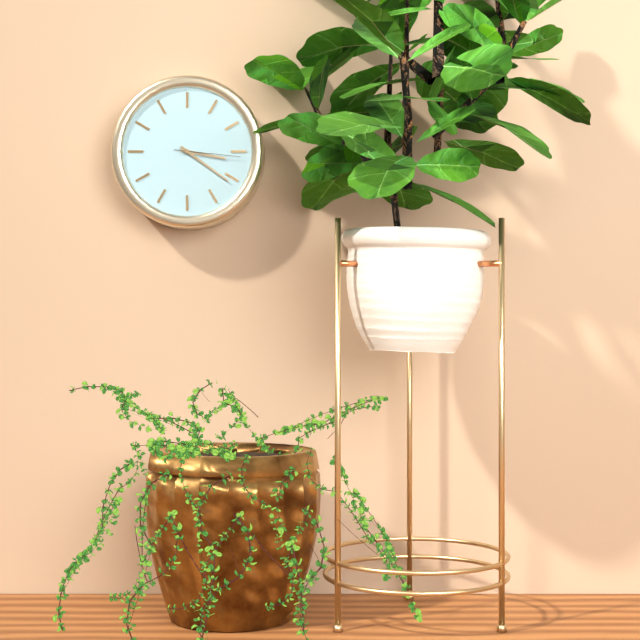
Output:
3:21:16
